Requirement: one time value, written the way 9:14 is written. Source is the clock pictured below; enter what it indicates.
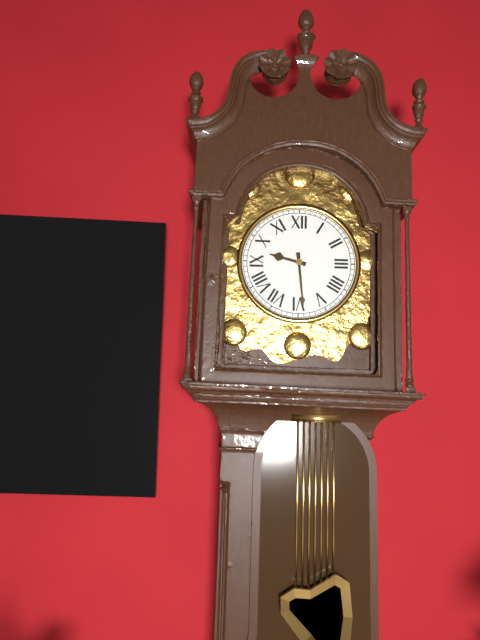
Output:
9:29
